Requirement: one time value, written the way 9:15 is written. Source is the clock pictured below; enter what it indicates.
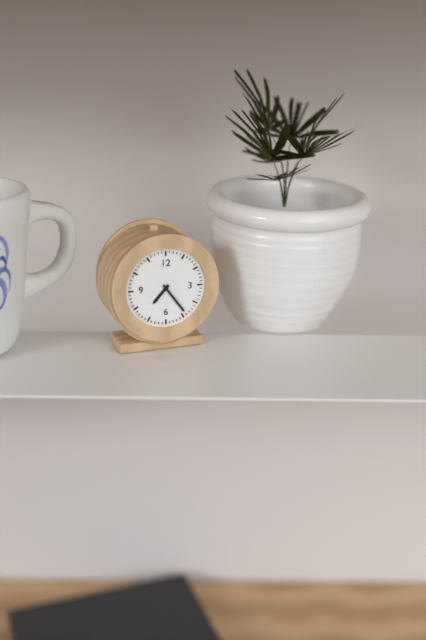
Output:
7:24
